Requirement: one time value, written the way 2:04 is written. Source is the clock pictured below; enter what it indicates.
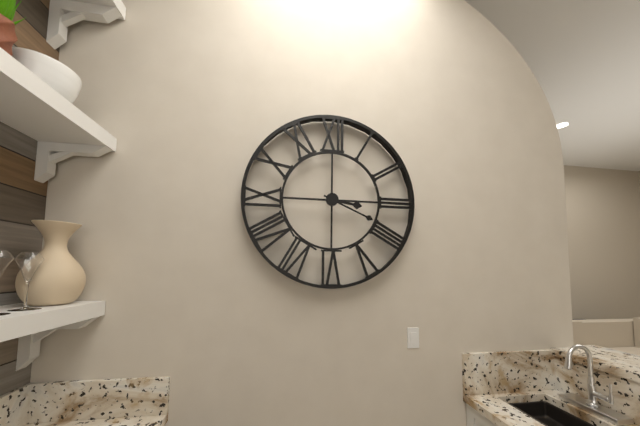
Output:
3:19
